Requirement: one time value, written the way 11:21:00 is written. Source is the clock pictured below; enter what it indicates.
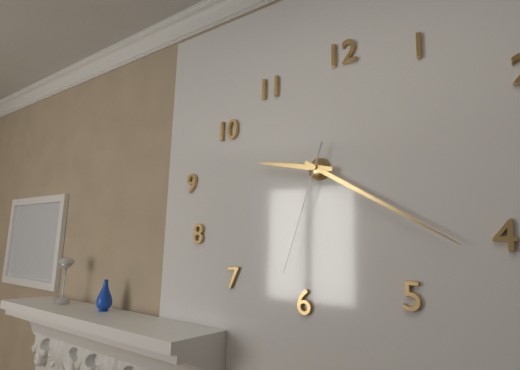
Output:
9:20:33
